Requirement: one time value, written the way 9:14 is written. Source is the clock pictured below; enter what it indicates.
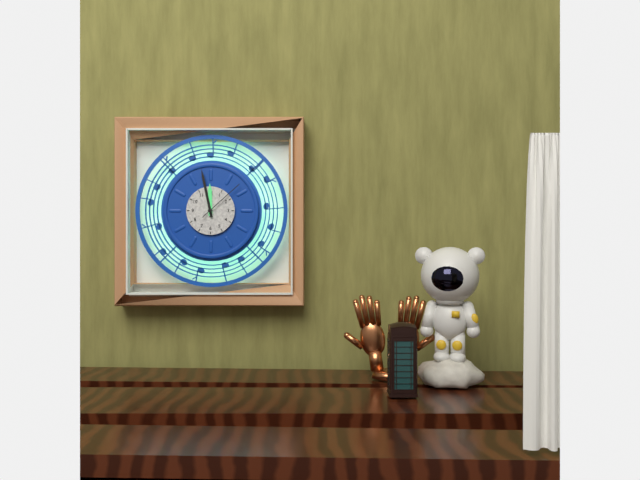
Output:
11:58
